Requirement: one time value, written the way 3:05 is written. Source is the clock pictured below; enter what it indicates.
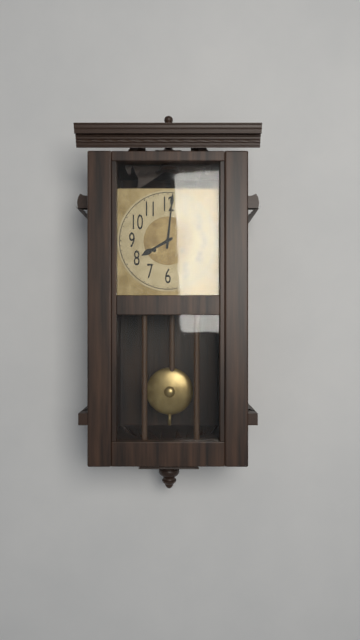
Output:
8:01
